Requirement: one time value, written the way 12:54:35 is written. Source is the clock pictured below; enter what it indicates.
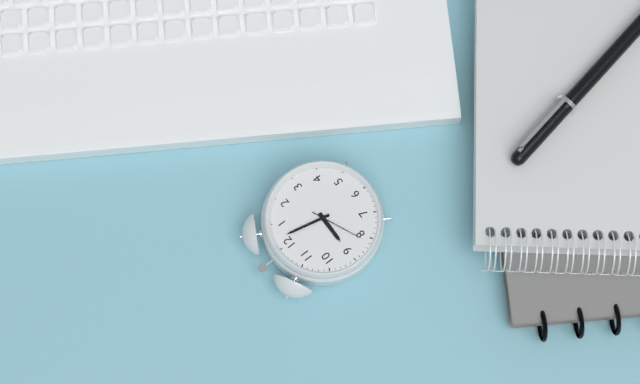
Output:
9:02:41
